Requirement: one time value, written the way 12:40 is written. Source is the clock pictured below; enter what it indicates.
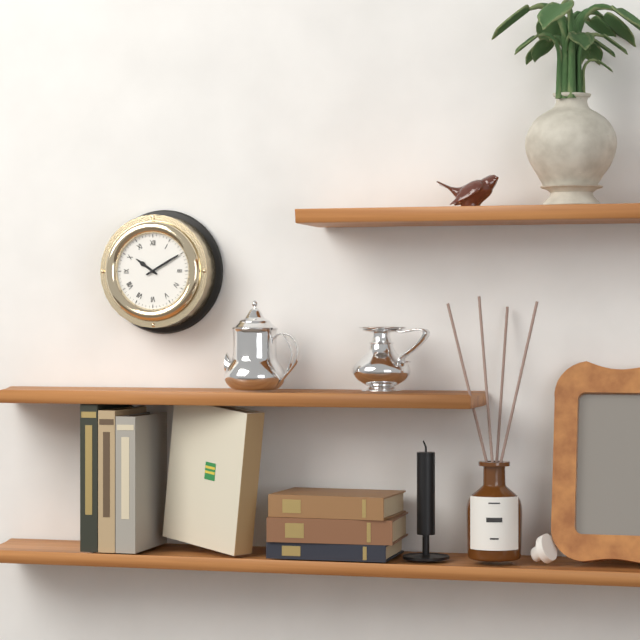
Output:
10:10
